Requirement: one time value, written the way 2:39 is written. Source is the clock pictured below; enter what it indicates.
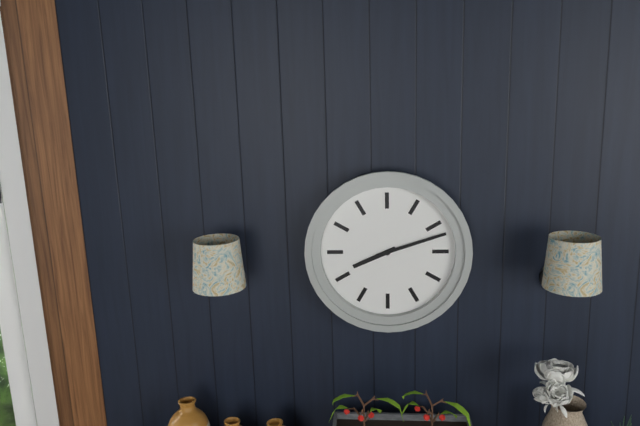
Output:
8:12
